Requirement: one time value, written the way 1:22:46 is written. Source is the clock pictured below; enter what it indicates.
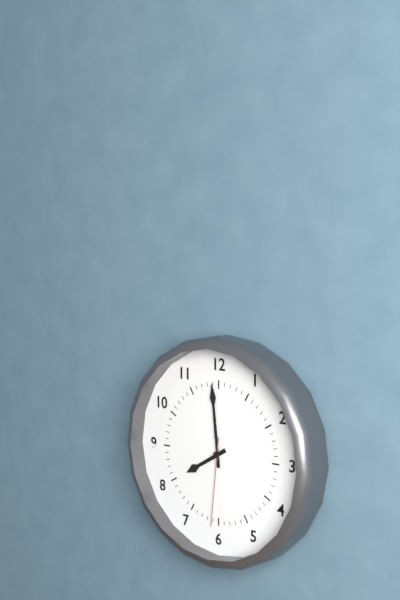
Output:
7:59:31
